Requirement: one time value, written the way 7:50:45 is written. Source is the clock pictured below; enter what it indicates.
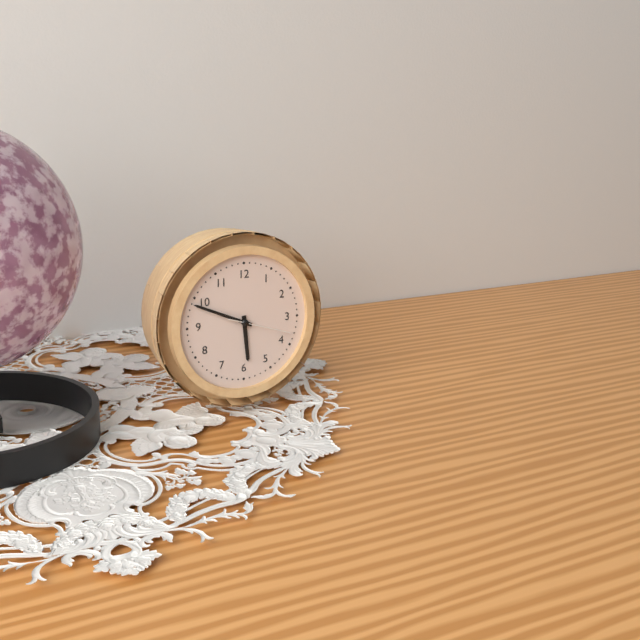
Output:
5:49:18
